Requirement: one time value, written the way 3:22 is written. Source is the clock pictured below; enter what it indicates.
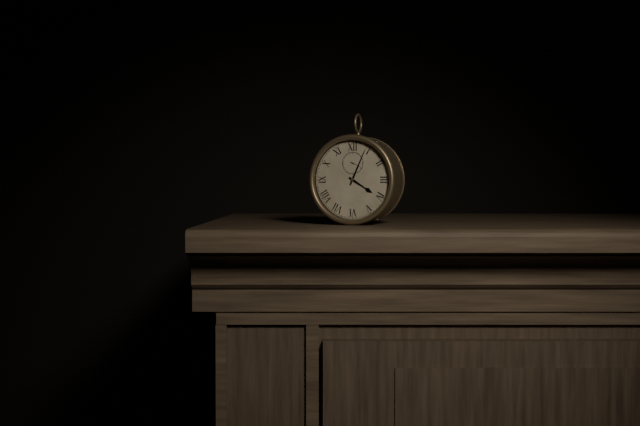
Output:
4:04
